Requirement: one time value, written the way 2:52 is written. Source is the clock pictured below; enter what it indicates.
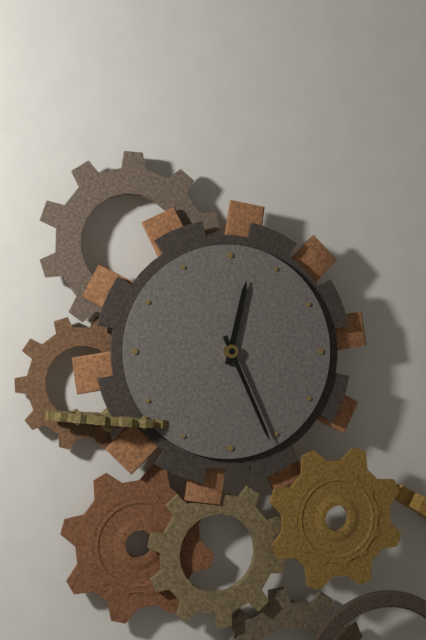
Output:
12:26
